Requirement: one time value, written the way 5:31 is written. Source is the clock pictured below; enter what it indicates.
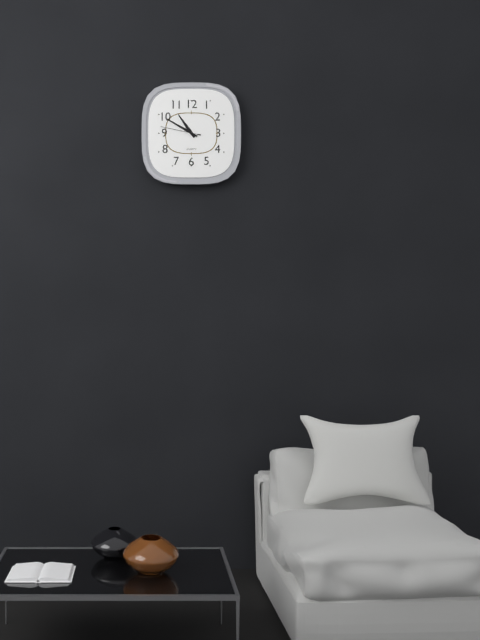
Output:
10:50
